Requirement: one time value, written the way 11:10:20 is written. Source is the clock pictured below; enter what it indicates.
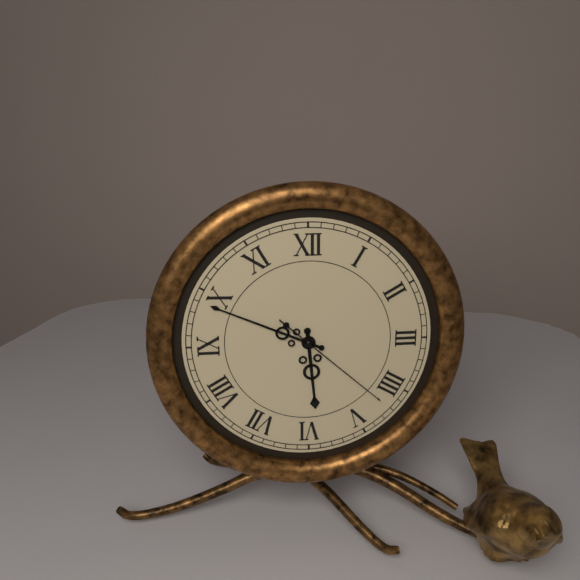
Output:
5:49:22
